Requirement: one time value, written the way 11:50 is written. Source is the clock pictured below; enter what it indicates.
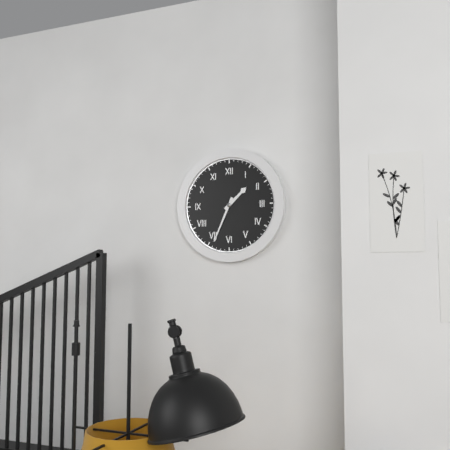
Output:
1:34
